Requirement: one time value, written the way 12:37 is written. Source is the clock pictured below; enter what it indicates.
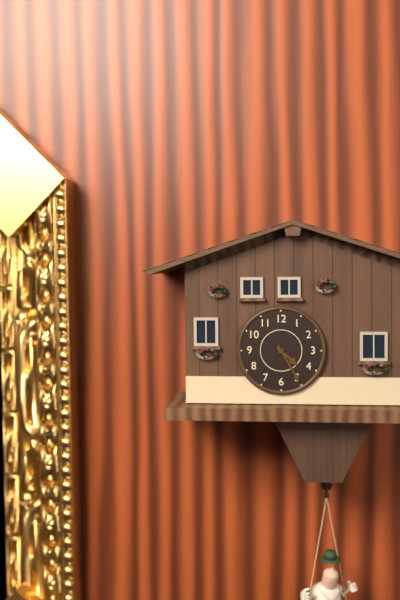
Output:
4:25
